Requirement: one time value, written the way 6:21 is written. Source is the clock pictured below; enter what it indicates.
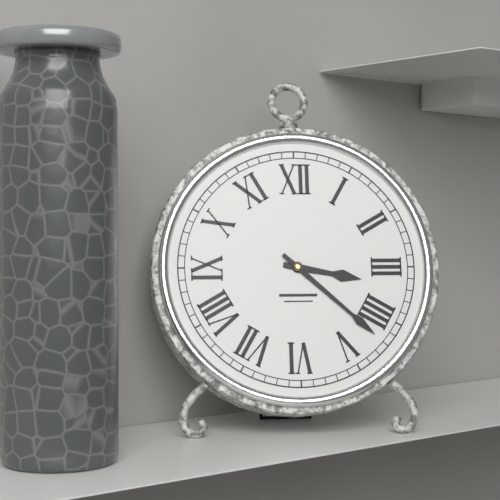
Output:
3:22
